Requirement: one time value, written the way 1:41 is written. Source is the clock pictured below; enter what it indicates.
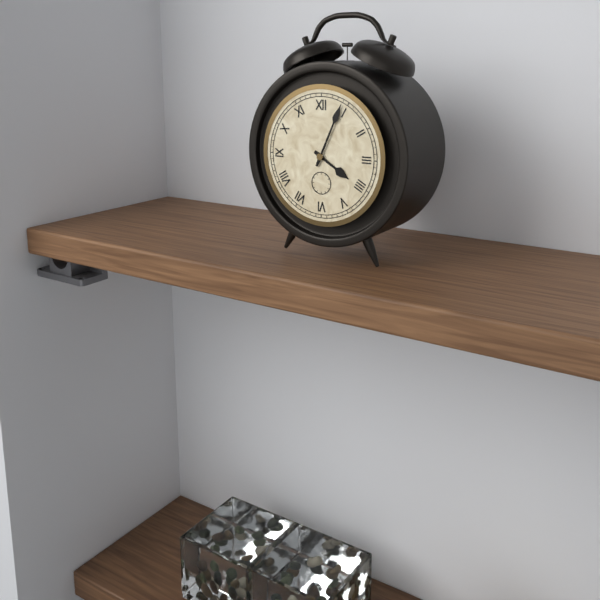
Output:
4:04
